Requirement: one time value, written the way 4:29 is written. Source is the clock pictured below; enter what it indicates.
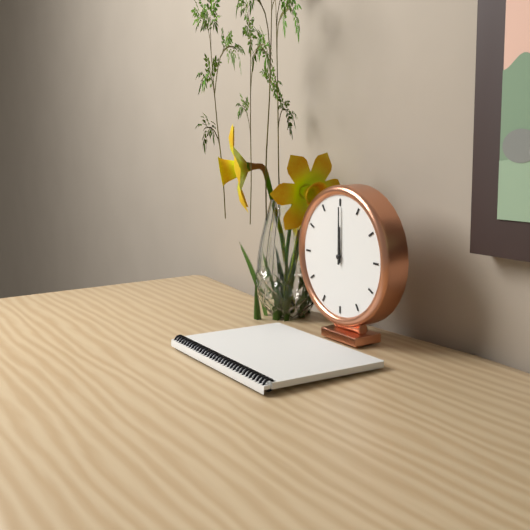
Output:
12:00
